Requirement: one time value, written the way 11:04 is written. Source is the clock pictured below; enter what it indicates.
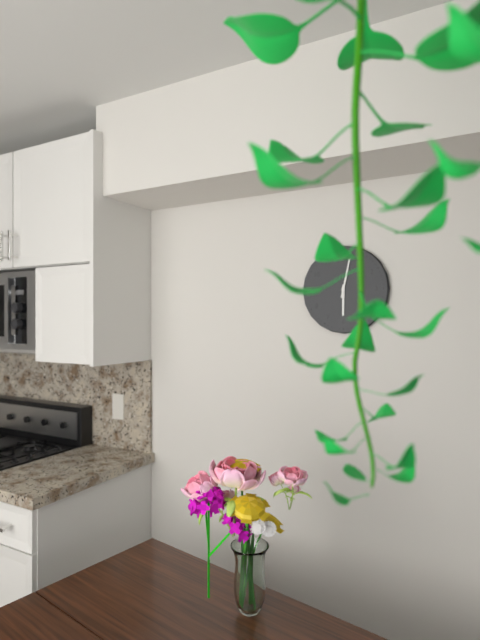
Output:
6:02
